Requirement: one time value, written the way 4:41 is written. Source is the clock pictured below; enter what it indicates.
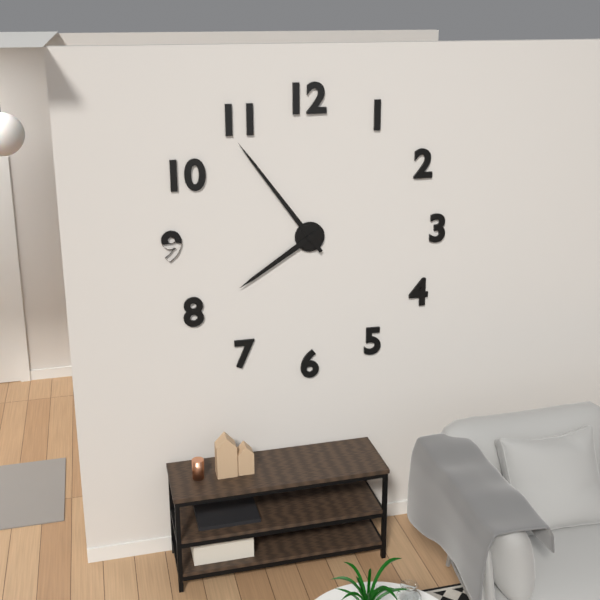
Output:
7:54
